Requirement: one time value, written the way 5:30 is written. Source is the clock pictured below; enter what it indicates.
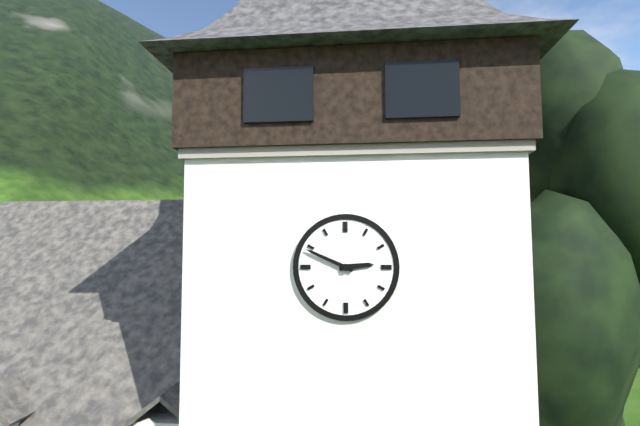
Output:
2:49
